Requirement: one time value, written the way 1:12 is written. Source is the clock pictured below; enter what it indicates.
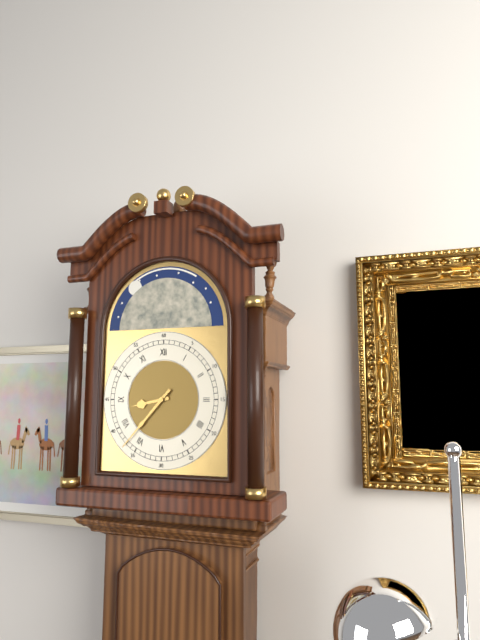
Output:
8:37
